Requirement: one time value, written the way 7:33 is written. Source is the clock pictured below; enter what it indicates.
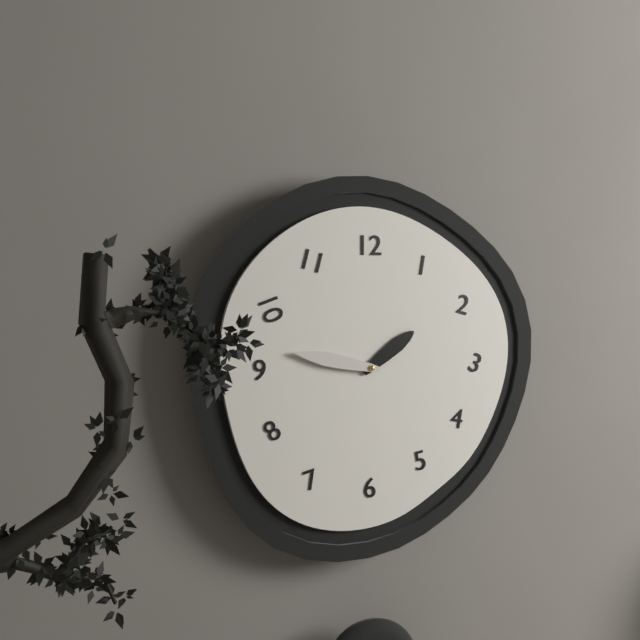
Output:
1:47
